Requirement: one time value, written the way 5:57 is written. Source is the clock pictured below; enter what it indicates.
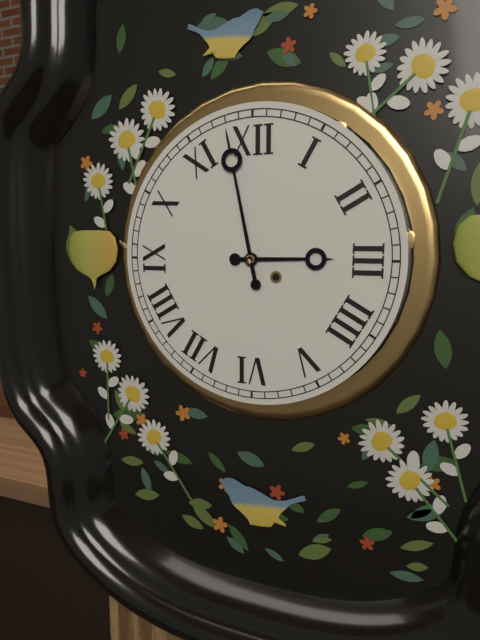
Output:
2:58
